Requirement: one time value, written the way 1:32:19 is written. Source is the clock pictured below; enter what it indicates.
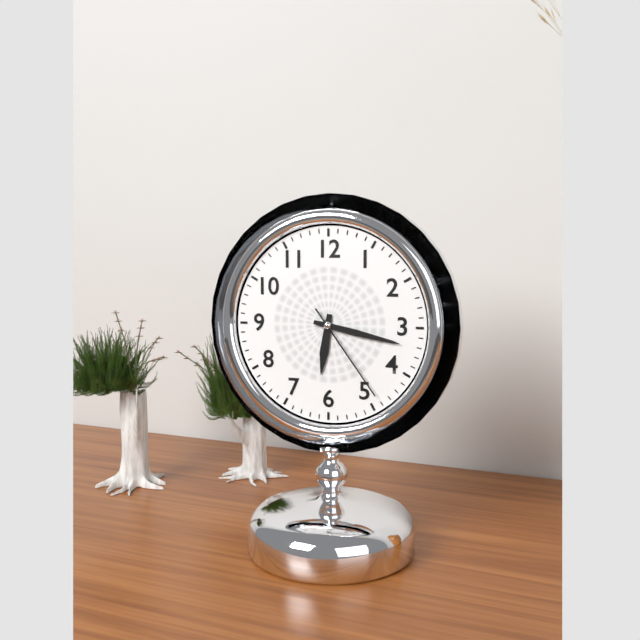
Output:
6:17:24
